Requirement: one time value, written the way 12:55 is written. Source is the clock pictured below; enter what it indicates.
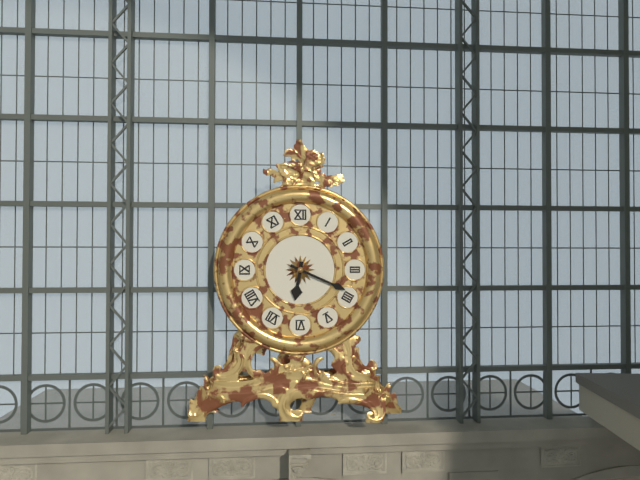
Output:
6:19
